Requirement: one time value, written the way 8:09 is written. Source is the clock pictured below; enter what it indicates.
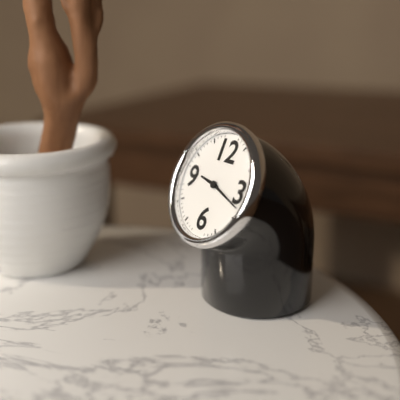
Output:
9:18
